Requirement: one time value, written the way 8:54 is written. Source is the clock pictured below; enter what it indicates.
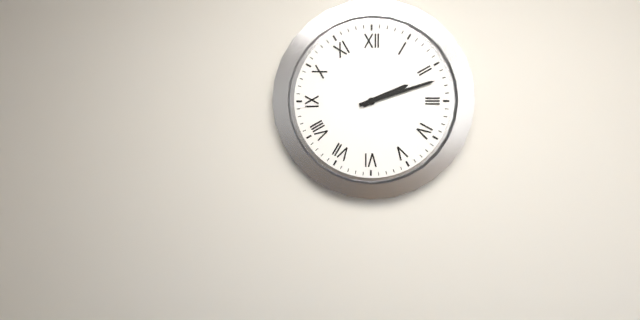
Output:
2:12
